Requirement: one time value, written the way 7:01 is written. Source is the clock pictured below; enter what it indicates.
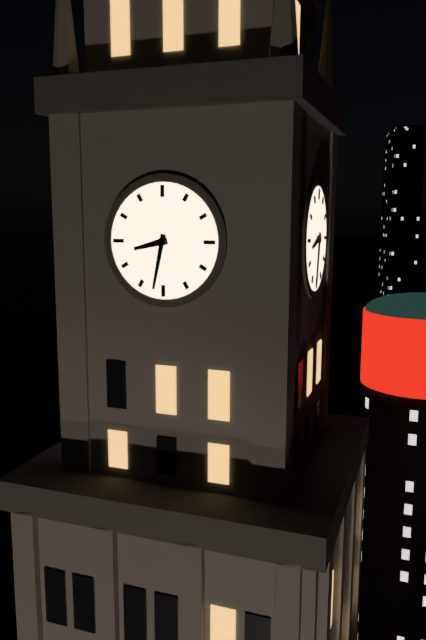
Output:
8:32
